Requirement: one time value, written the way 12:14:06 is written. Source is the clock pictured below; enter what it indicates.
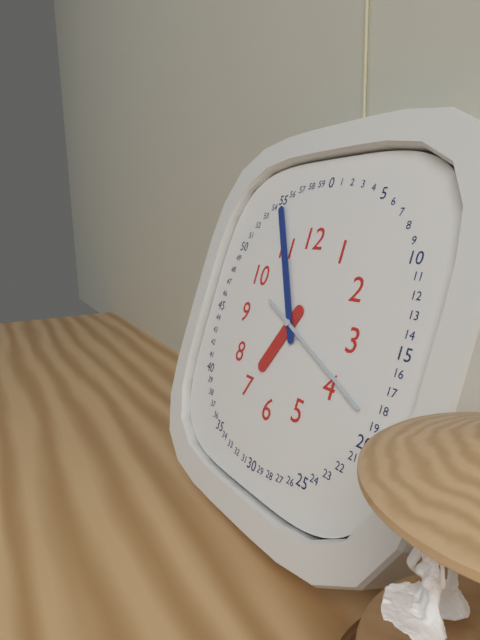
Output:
6:55:19
